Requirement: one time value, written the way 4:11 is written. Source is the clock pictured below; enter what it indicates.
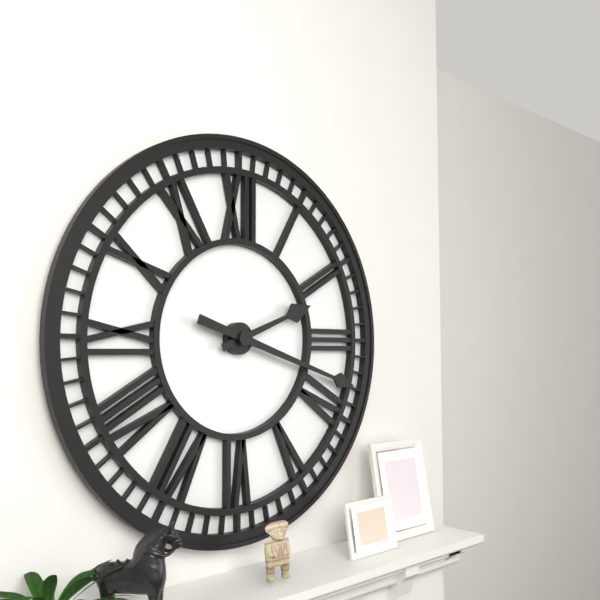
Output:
2:18
